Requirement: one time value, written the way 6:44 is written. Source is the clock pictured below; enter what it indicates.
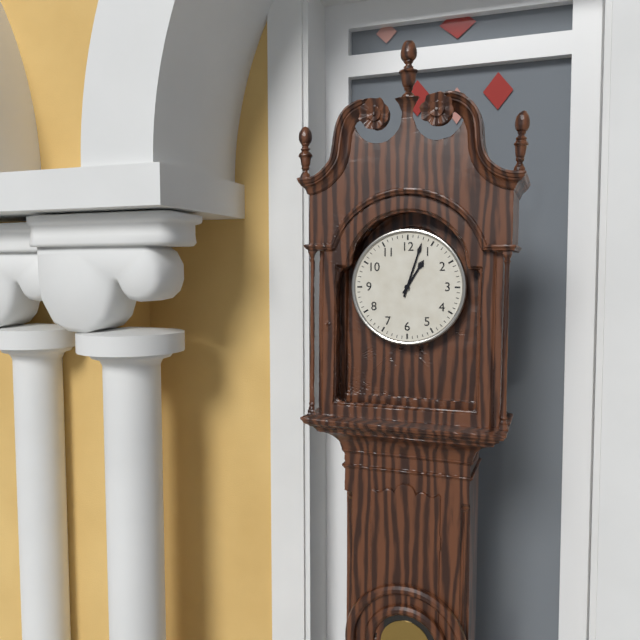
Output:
1:03
